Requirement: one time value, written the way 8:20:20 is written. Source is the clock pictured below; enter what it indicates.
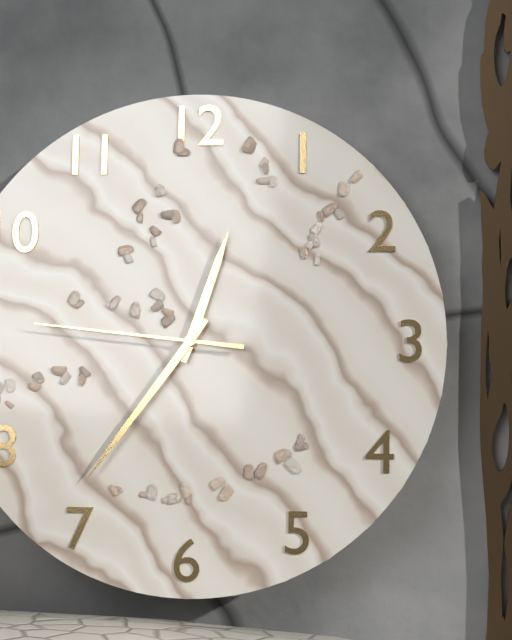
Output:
12:36:46
